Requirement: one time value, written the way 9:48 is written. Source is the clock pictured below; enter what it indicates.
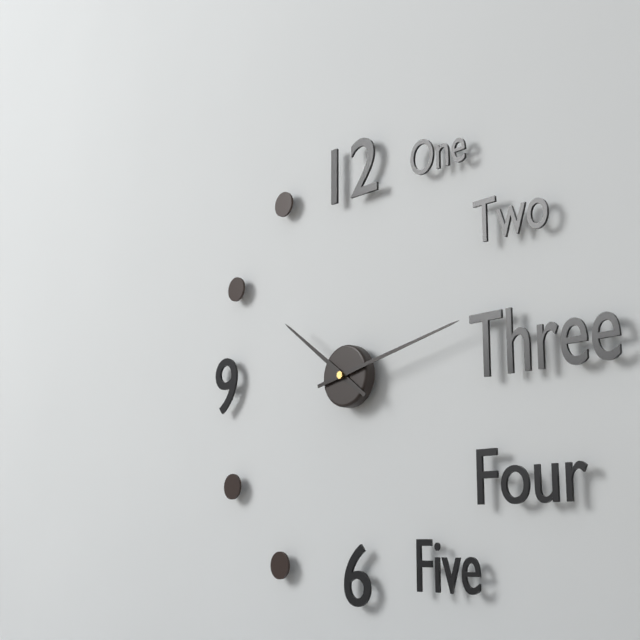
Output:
10:13
